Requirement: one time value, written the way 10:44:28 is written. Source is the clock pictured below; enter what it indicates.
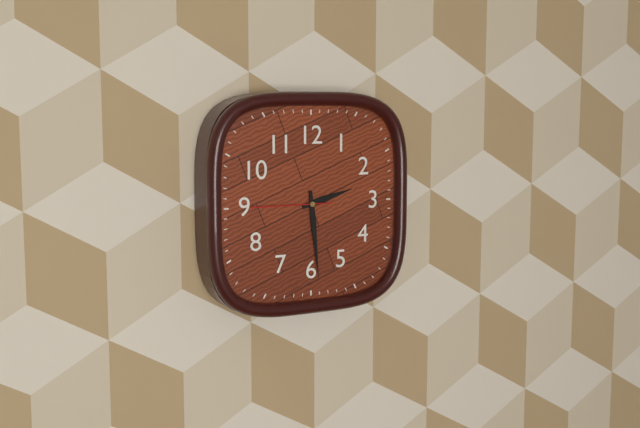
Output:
2:29:45
